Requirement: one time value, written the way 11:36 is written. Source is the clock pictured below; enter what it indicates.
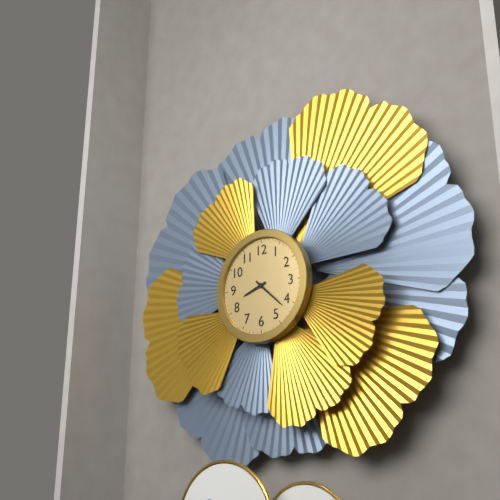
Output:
8:22
